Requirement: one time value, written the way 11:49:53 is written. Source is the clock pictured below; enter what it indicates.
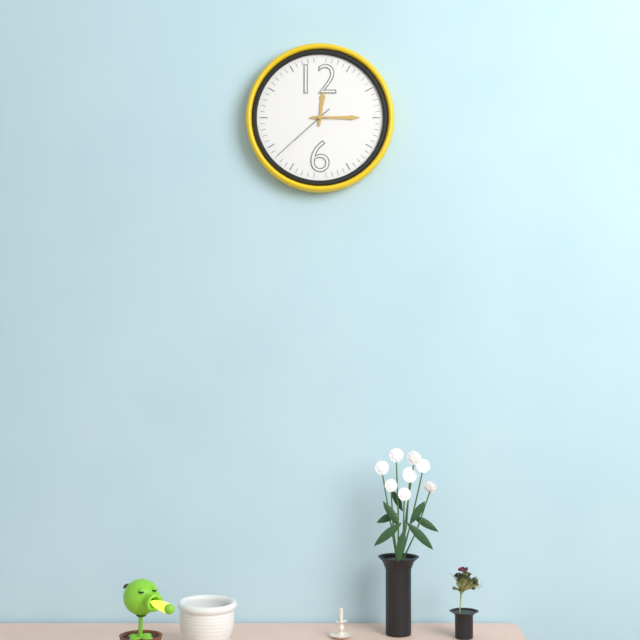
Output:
12:15:38
